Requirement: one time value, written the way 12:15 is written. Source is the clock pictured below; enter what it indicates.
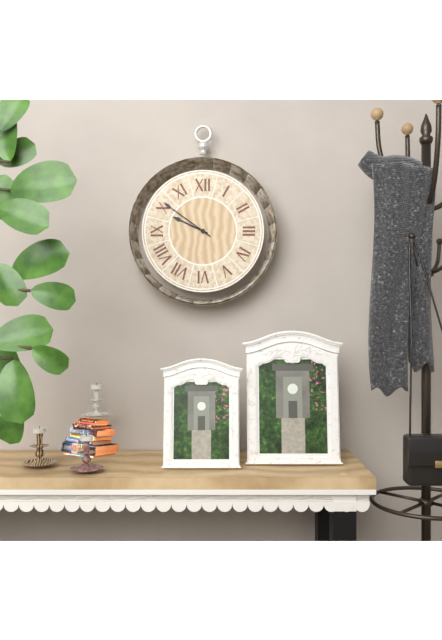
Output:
9:51
